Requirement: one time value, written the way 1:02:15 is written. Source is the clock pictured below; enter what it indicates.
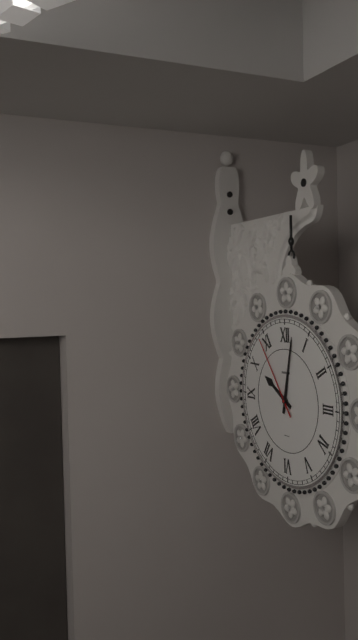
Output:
10:02:54
